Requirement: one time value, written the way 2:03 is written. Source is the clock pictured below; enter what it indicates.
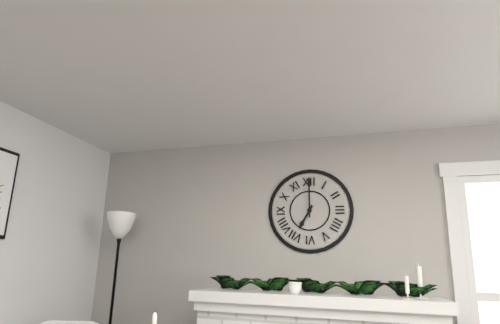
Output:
7:00
